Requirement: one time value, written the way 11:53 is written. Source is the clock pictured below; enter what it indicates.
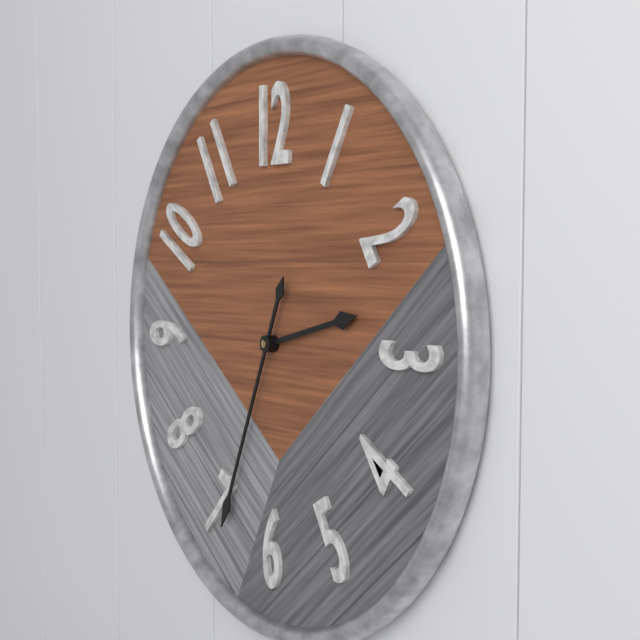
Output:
2:34
